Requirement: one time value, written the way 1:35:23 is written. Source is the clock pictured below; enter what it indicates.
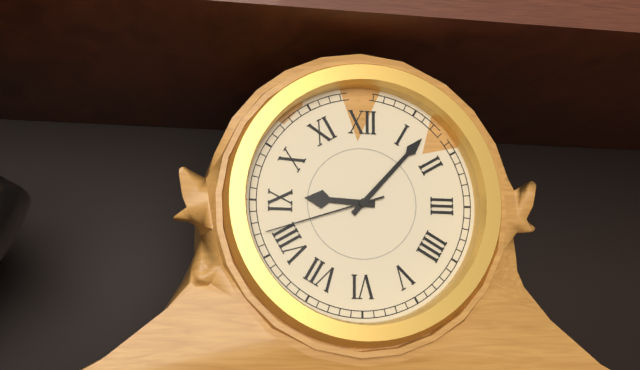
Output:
9:07:42
